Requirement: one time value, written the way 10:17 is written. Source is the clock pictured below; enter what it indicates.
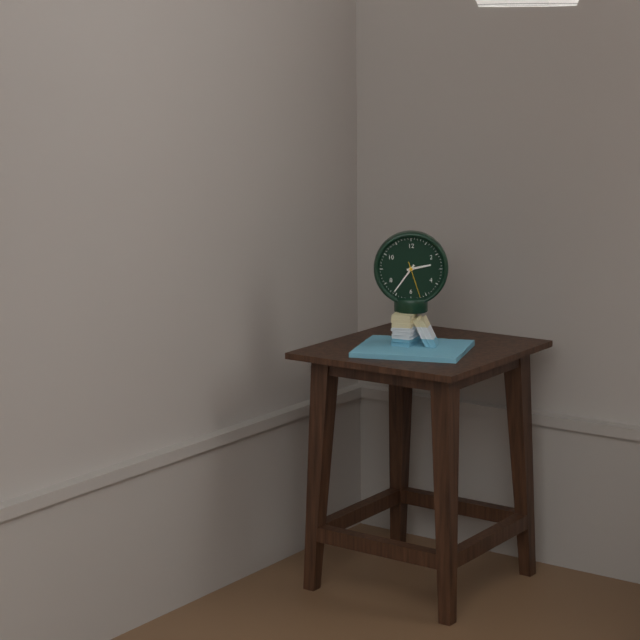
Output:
2:36
